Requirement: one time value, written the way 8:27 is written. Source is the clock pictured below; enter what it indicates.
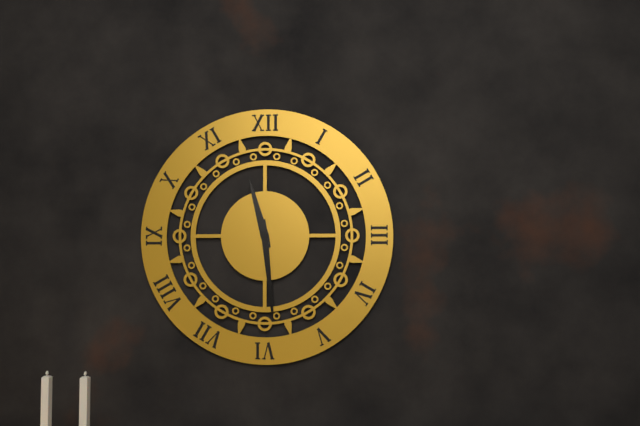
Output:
11:29
